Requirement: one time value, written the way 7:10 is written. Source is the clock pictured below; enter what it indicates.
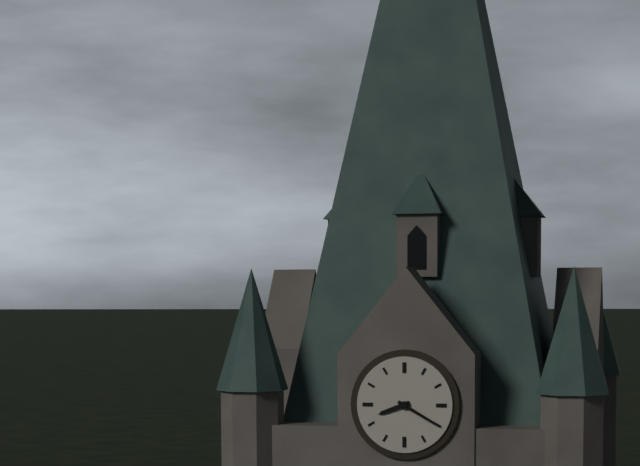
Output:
8:20
